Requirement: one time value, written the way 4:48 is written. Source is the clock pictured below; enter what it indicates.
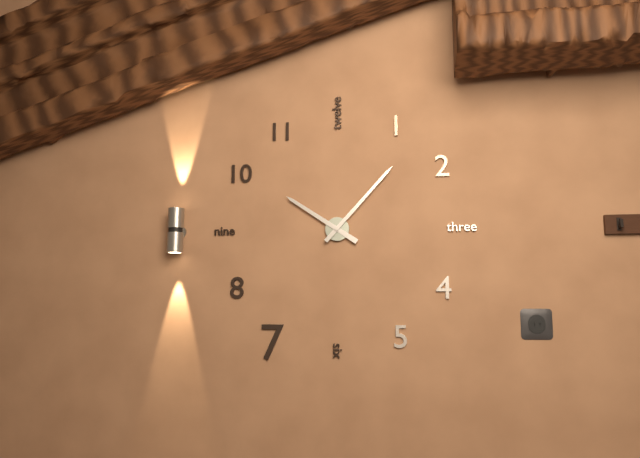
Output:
10:07
